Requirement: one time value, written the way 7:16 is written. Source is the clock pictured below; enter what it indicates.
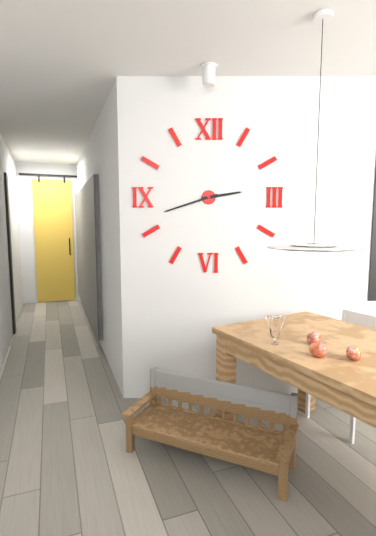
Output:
2:42
